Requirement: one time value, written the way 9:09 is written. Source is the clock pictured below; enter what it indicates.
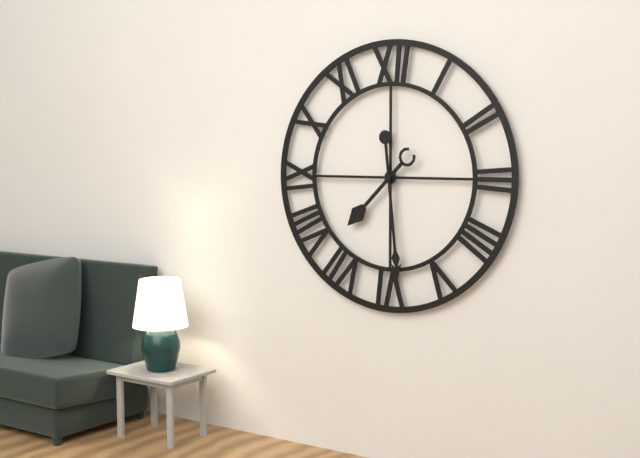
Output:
7:29
